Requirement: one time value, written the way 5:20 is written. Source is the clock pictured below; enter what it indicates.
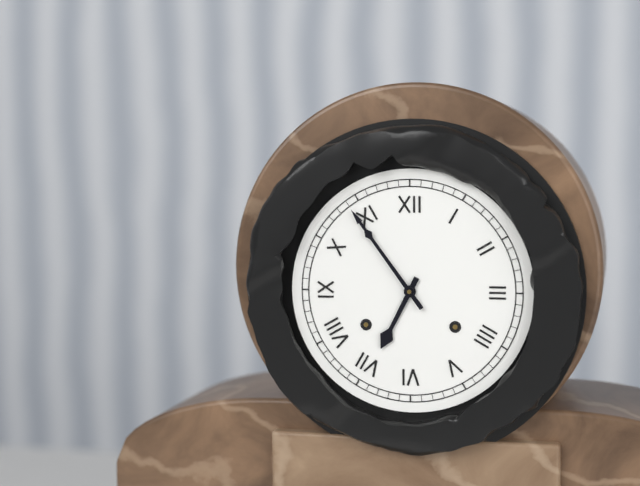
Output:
6:54
